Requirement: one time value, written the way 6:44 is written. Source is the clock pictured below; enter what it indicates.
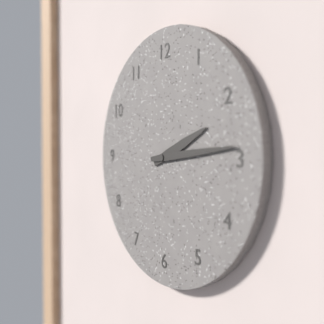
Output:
2:14
